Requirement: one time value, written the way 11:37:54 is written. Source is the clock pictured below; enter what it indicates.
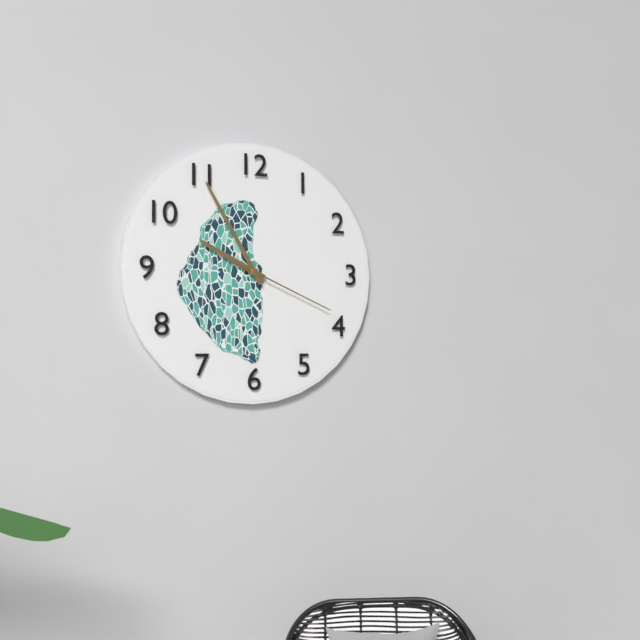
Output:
9:55:19
